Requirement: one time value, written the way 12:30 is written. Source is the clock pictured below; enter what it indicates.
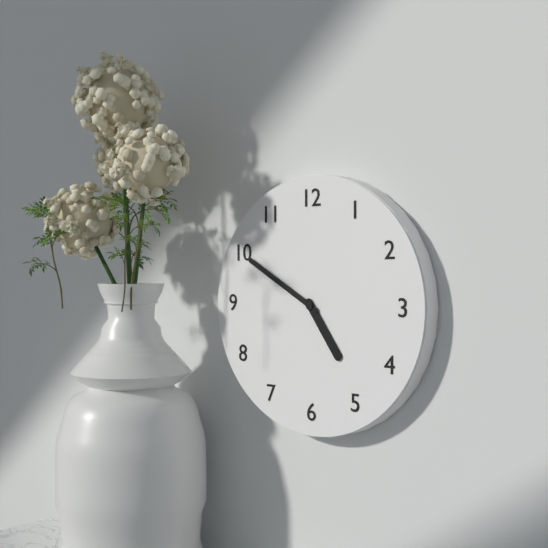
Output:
4:50
